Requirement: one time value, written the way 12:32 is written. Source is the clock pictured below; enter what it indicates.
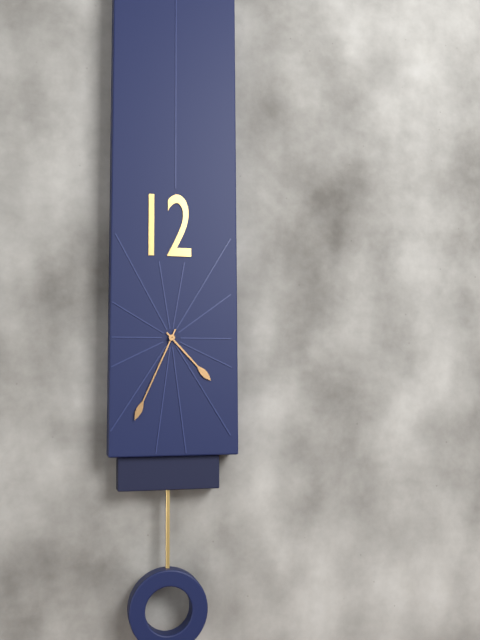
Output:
4:34
